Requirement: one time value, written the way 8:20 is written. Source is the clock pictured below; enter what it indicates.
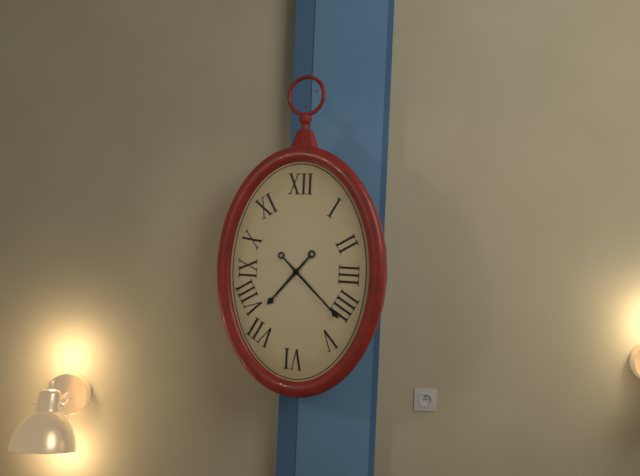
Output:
7:22
